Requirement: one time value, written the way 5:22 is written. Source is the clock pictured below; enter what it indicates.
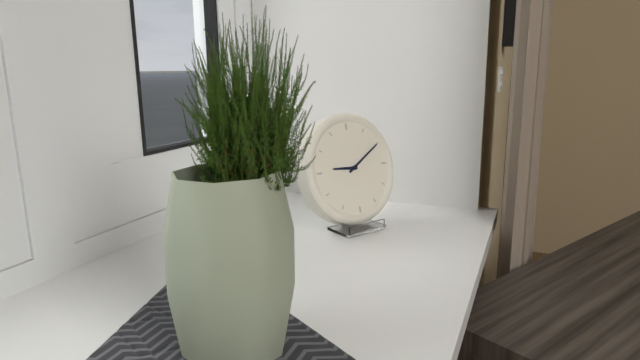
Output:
9:10
